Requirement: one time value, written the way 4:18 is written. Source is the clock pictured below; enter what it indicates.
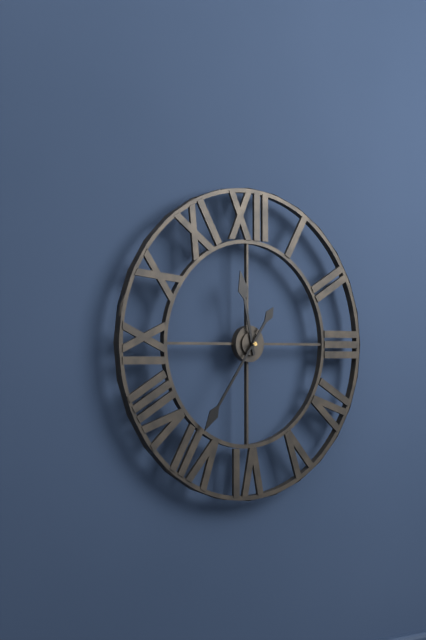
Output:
11:36
